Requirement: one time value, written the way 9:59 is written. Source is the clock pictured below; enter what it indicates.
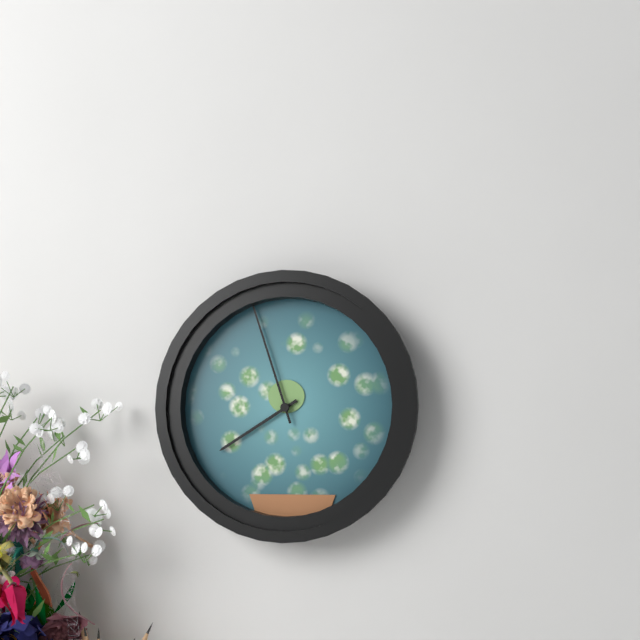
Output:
7:57
